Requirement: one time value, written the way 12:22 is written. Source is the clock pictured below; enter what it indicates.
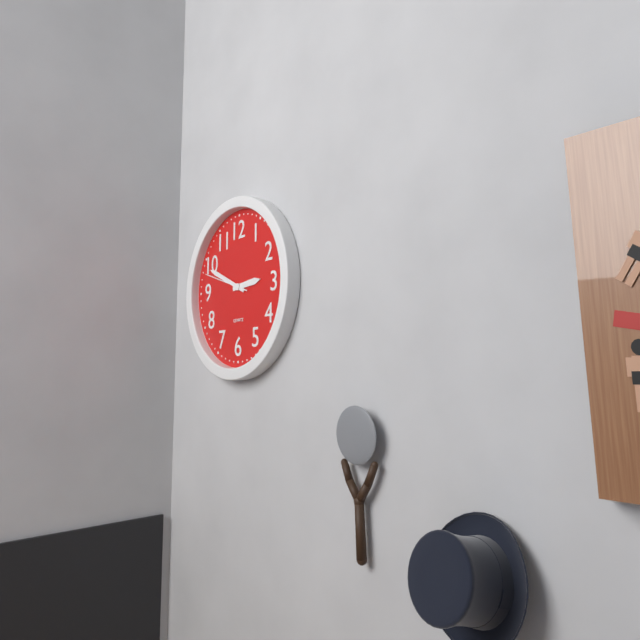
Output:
2:49
